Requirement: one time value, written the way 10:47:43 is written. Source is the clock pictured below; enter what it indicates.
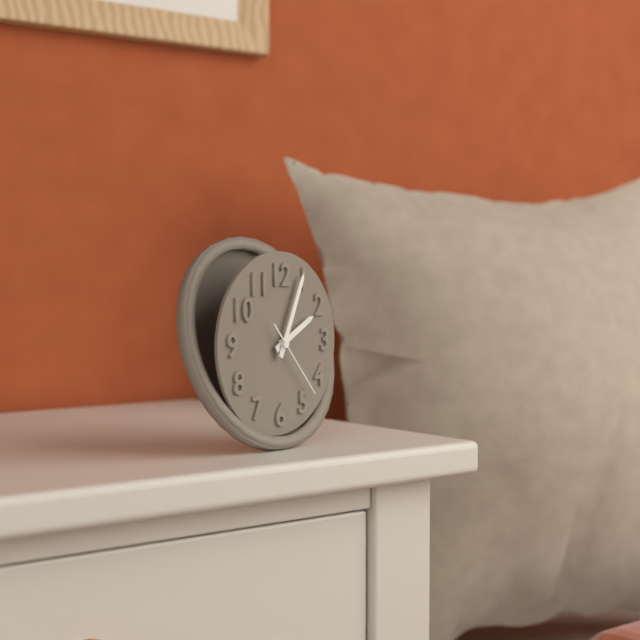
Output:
2:04:23
